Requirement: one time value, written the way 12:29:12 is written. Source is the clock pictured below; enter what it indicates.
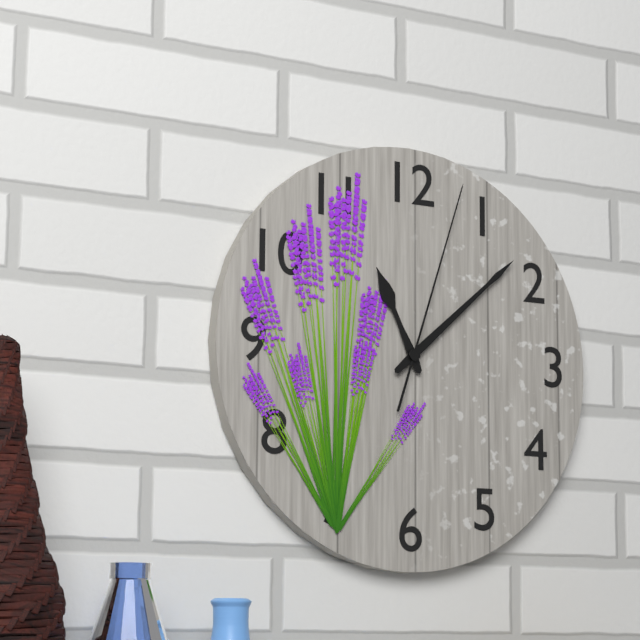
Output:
11:08:03
